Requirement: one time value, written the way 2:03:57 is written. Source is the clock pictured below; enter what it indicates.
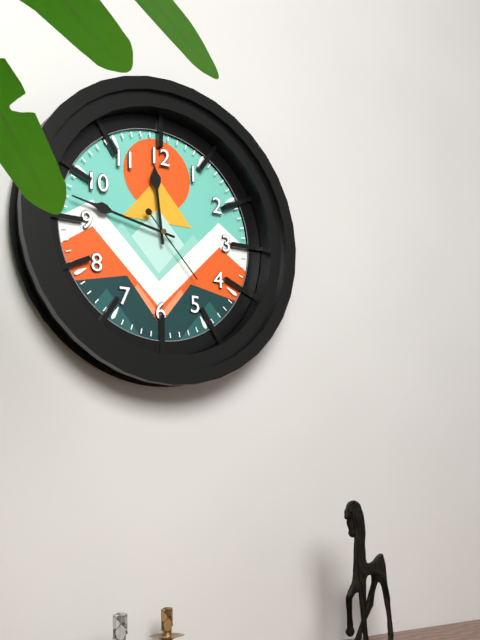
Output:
11:47:23
